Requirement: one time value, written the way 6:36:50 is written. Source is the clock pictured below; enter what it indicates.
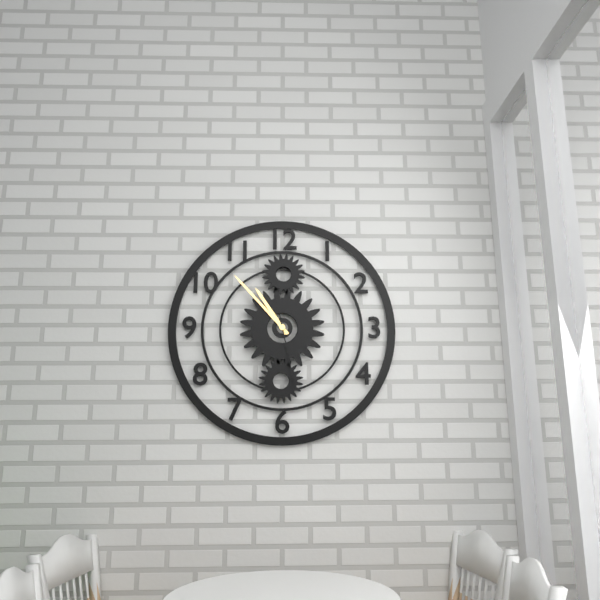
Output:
10:53:28
